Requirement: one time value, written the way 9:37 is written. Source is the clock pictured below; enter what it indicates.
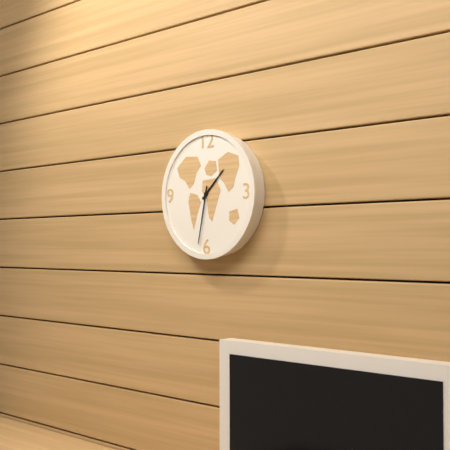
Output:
1:32
